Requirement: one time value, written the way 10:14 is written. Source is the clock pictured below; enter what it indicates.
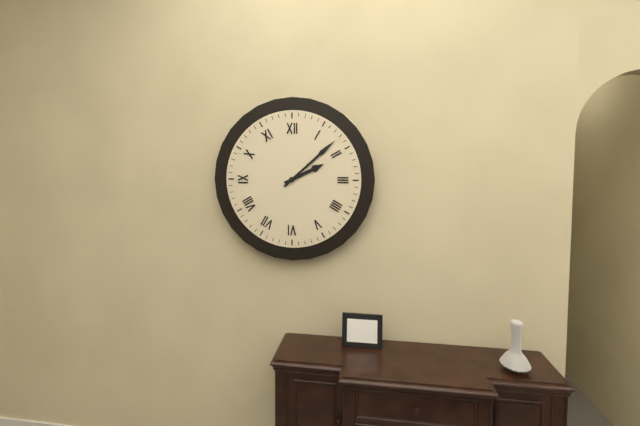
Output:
2:08
